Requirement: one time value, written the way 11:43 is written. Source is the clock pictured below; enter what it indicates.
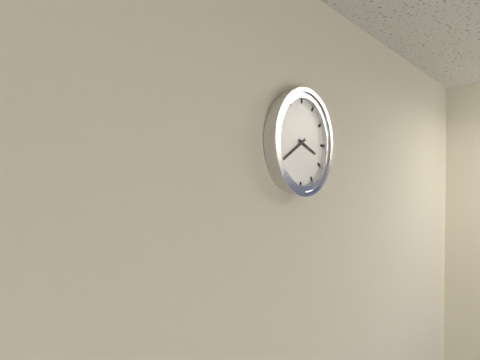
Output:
3:40
